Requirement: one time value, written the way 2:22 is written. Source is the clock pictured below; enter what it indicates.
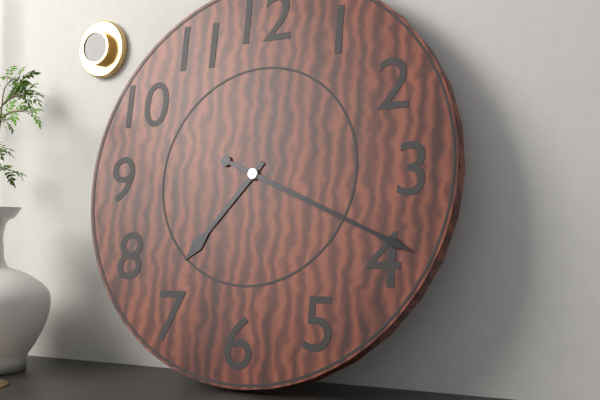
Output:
7:19
